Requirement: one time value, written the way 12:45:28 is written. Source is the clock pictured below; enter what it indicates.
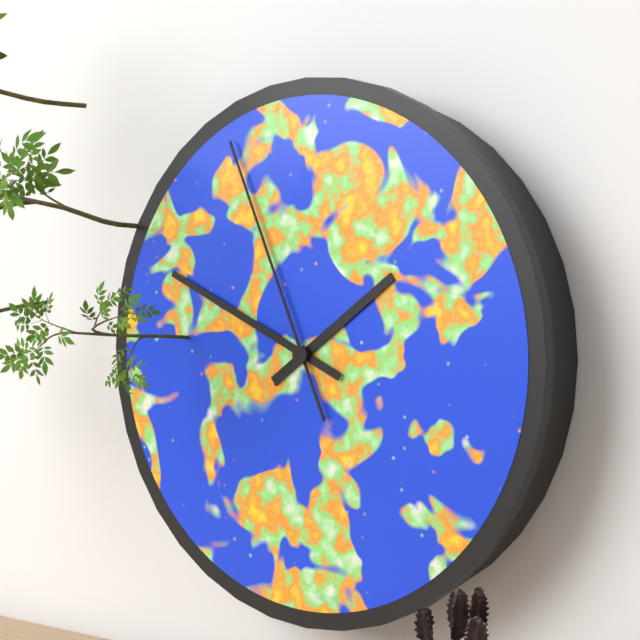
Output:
1:49:56
